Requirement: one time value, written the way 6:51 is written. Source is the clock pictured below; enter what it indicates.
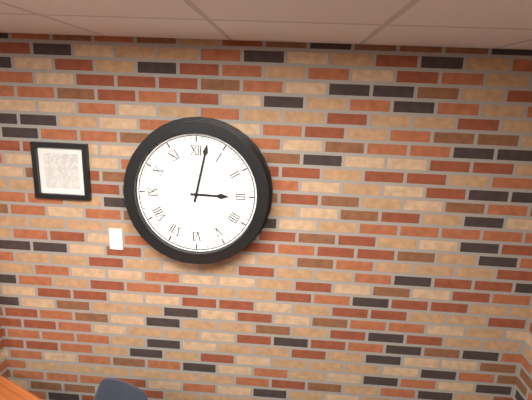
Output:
3:02
